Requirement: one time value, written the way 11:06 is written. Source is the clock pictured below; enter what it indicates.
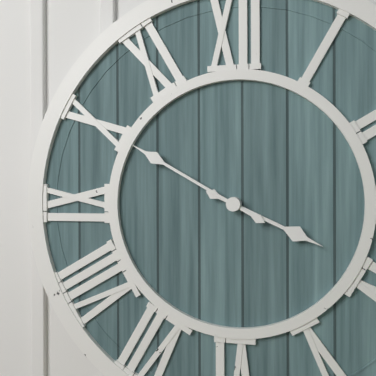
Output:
3:50
